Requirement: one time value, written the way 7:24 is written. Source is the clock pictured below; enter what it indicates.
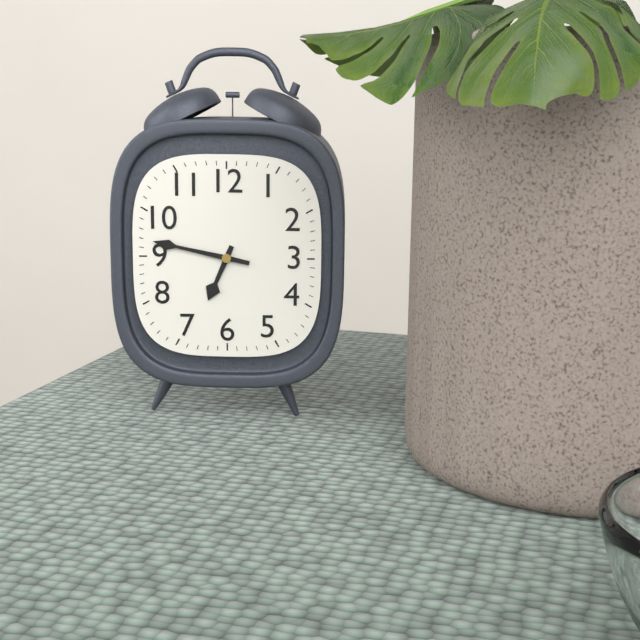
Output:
6:47
